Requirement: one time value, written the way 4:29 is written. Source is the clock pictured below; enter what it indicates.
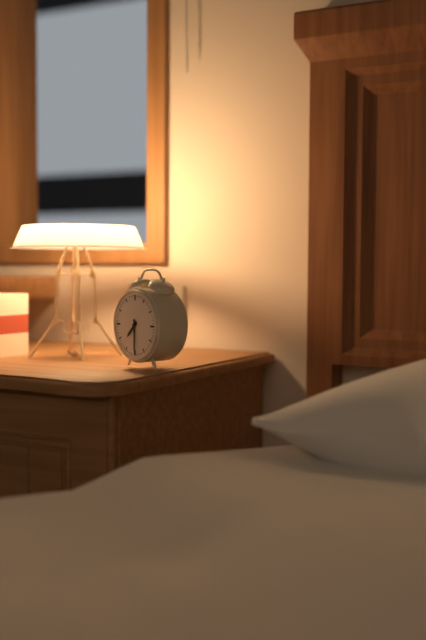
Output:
7:30
